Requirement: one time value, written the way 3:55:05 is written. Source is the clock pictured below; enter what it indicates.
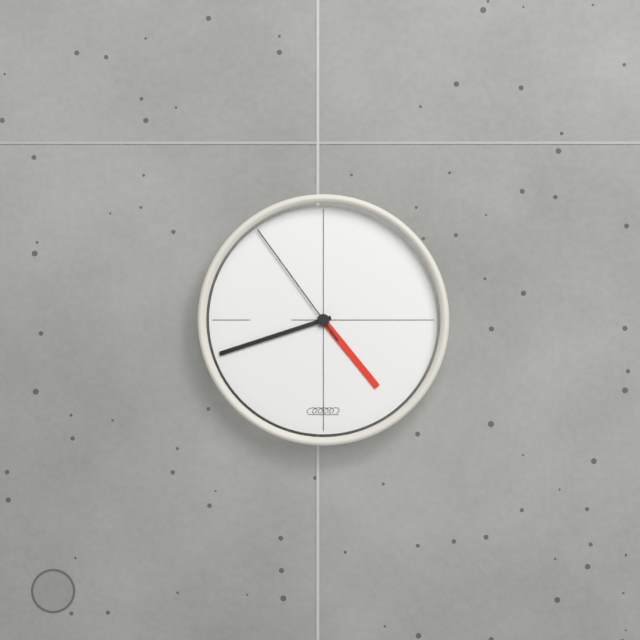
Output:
4:42:54
